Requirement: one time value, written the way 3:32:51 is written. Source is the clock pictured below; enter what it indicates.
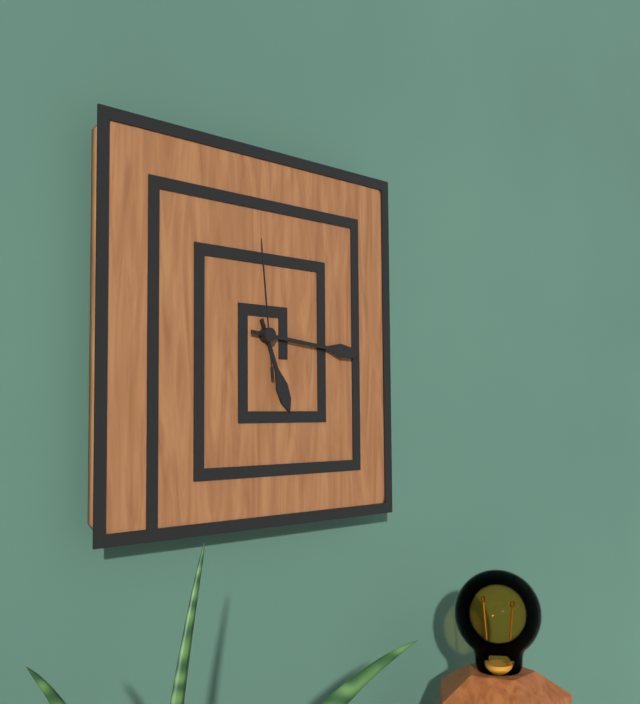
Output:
5:16:59
